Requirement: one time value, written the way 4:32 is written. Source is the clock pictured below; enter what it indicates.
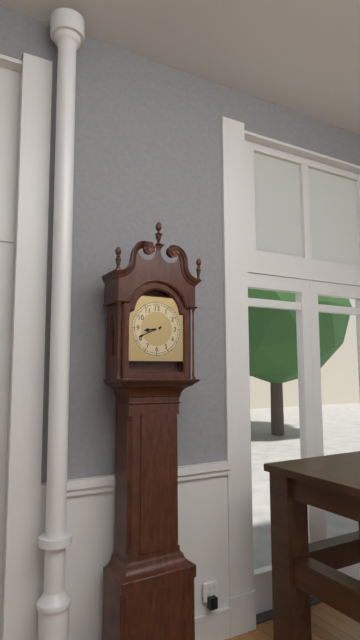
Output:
8:41
